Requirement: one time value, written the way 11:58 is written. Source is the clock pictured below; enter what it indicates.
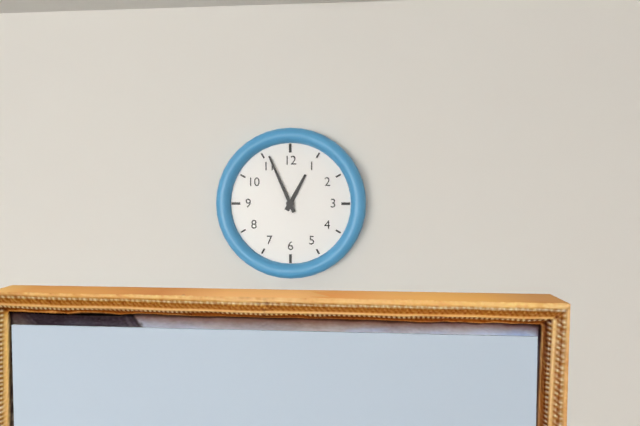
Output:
12:56
